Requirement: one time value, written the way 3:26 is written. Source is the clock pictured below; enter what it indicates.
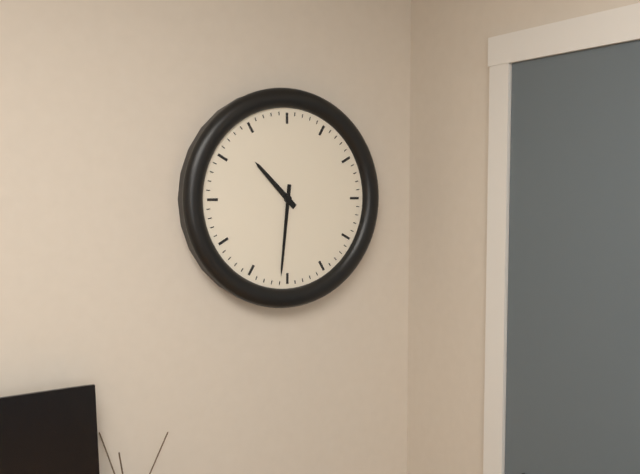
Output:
10:31
